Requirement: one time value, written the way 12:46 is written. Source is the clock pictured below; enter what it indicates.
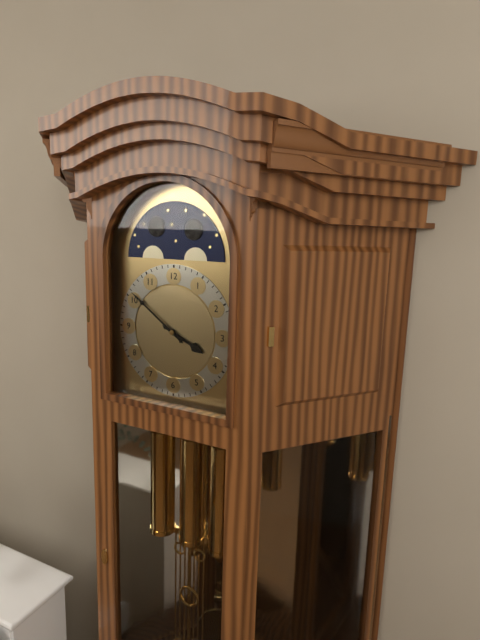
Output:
3:51
